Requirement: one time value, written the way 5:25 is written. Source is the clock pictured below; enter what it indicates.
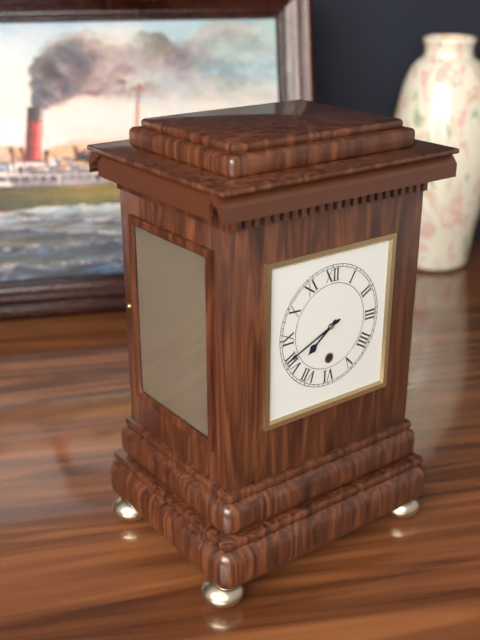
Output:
7:41
